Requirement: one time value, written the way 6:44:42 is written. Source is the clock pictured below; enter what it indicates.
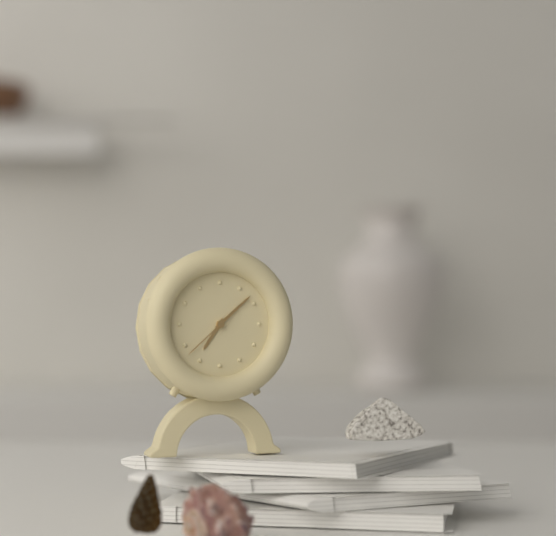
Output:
7:08:38
